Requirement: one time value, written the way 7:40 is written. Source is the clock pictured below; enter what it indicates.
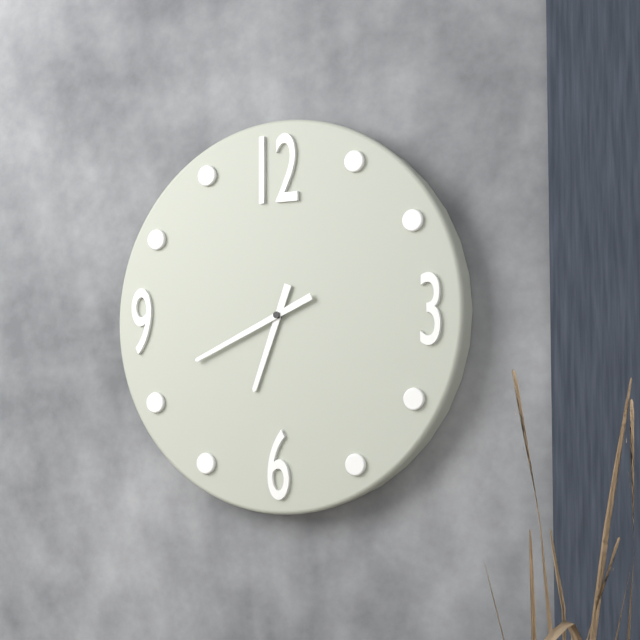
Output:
6:41
